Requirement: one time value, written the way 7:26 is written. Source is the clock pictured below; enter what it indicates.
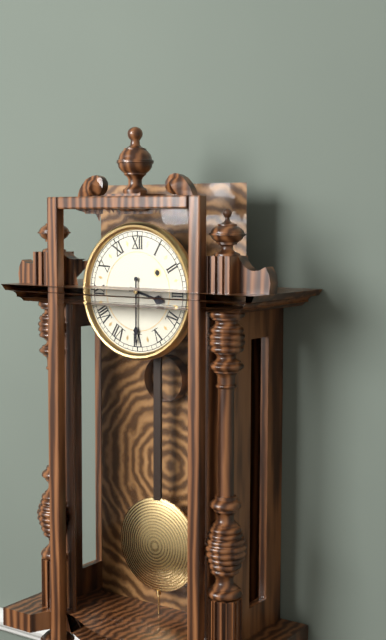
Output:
3:30
